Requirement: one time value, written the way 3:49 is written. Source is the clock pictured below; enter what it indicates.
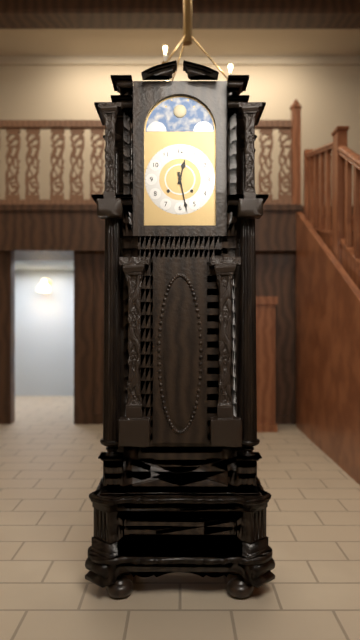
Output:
12:28
